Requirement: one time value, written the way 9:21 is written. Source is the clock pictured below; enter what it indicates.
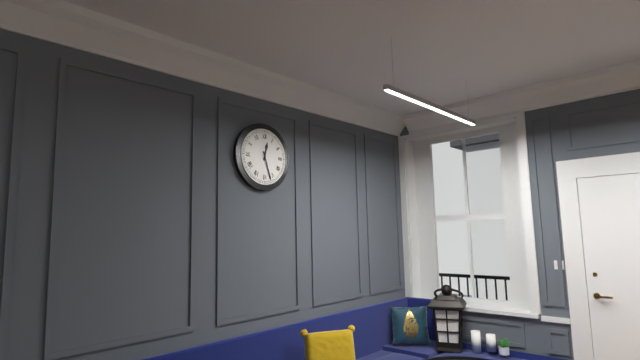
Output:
12:27
